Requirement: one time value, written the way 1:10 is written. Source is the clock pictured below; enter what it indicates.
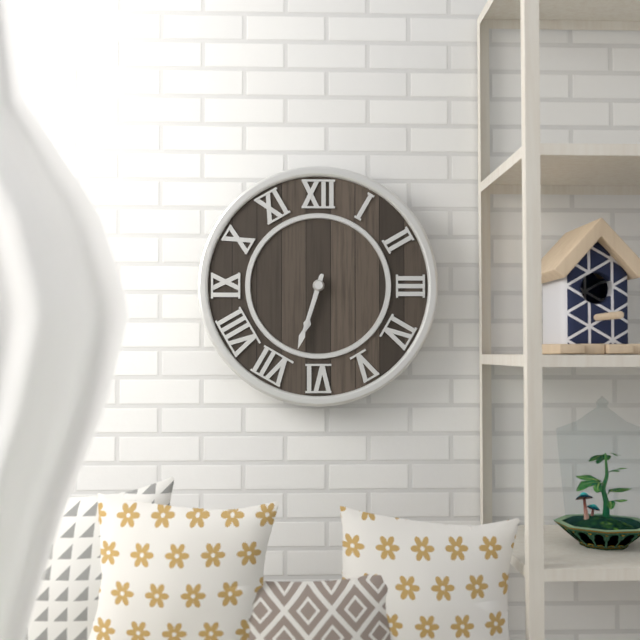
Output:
6:33
